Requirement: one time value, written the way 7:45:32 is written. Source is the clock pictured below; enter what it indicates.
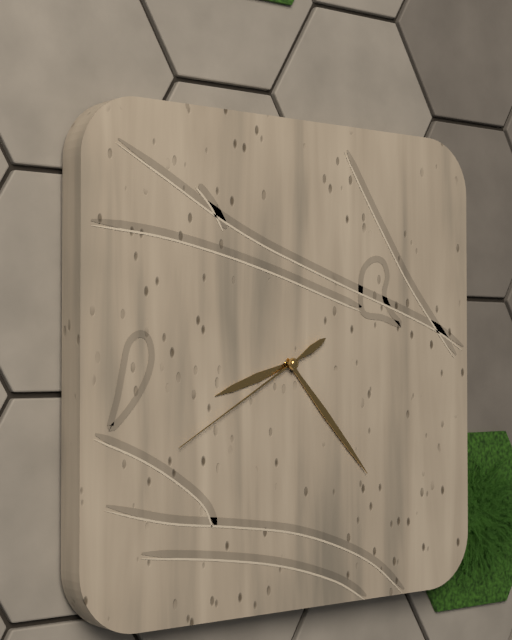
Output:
8:23:40
